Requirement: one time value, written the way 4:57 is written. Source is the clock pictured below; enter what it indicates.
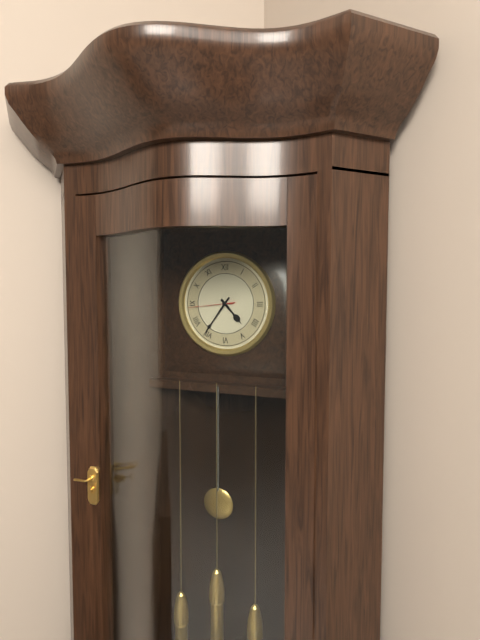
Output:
4:36
